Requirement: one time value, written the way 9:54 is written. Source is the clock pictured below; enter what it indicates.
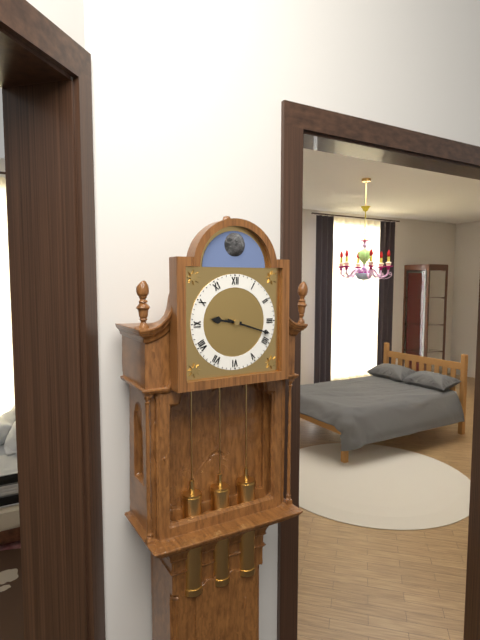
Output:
9:18
